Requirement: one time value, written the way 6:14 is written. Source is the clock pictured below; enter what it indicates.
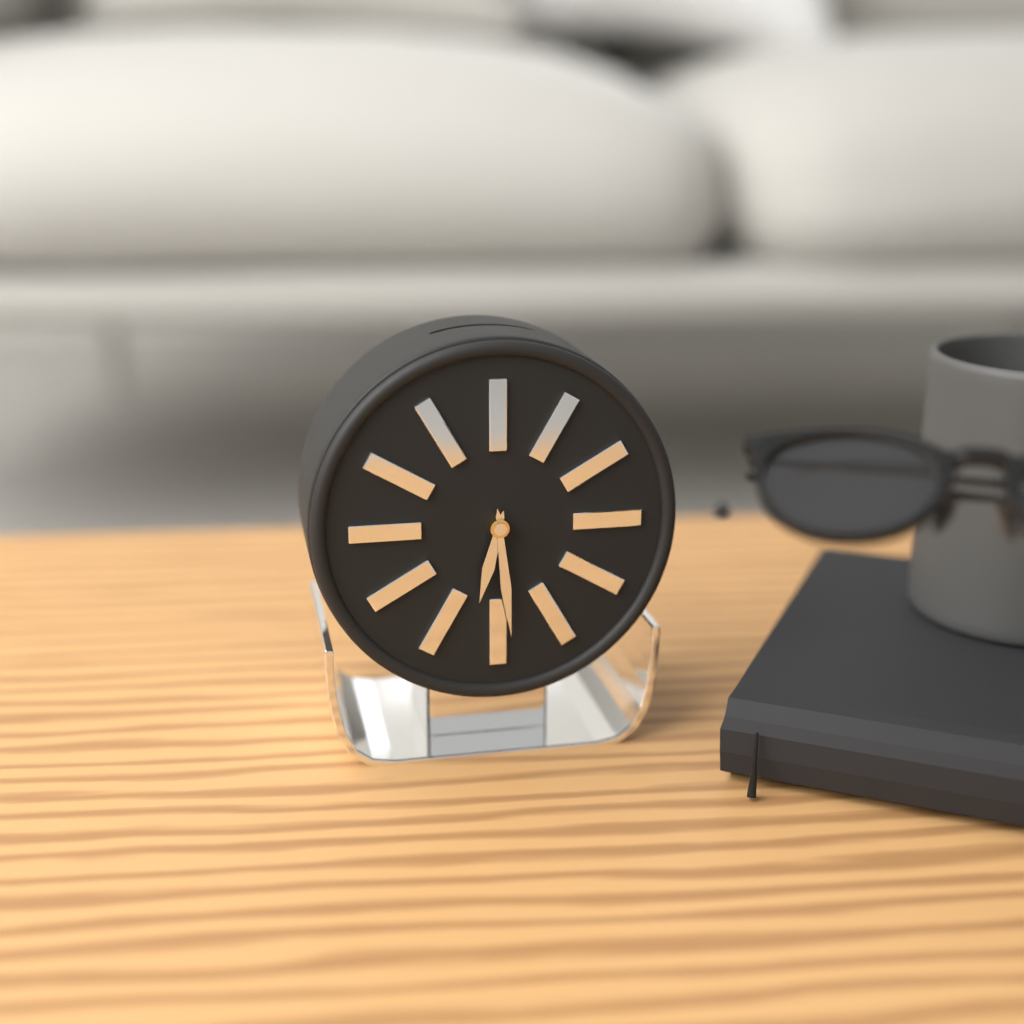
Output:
6:29
